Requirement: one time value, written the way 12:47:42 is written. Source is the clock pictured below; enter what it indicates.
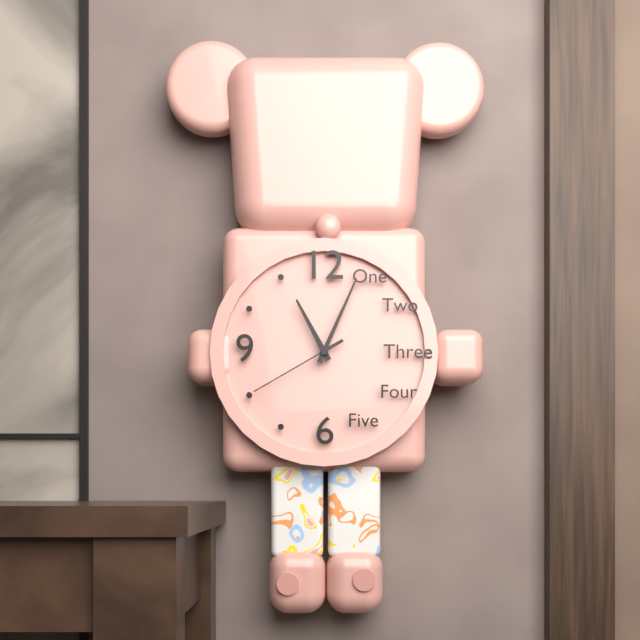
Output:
11:04:40
